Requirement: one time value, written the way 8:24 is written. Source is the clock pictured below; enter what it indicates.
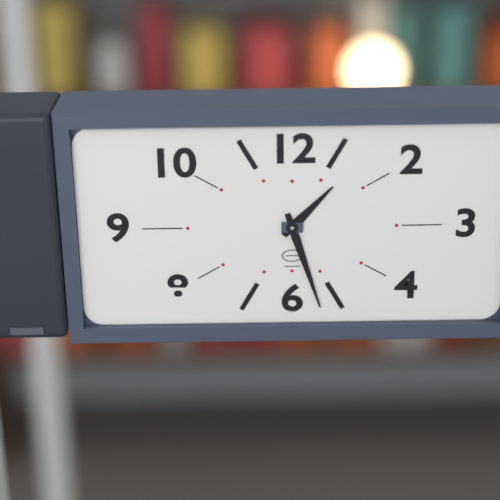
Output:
1:27
